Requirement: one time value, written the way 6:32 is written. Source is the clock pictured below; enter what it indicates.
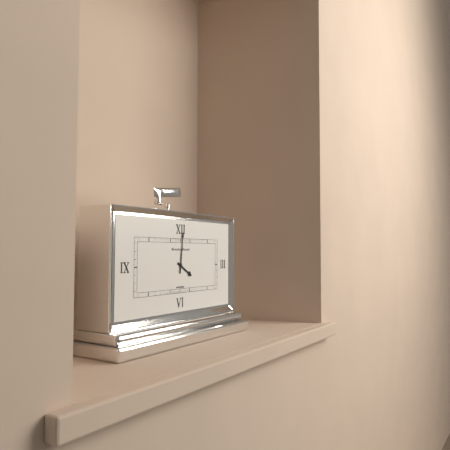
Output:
4:01
